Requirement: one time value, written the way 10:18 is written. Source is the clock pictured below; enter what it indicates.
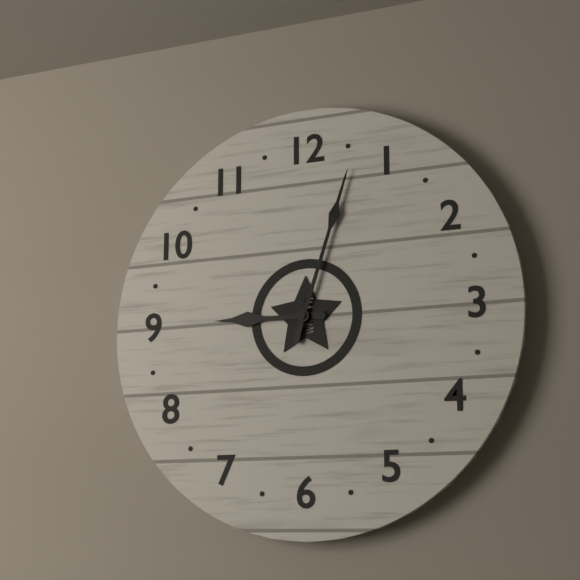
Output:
9:03
